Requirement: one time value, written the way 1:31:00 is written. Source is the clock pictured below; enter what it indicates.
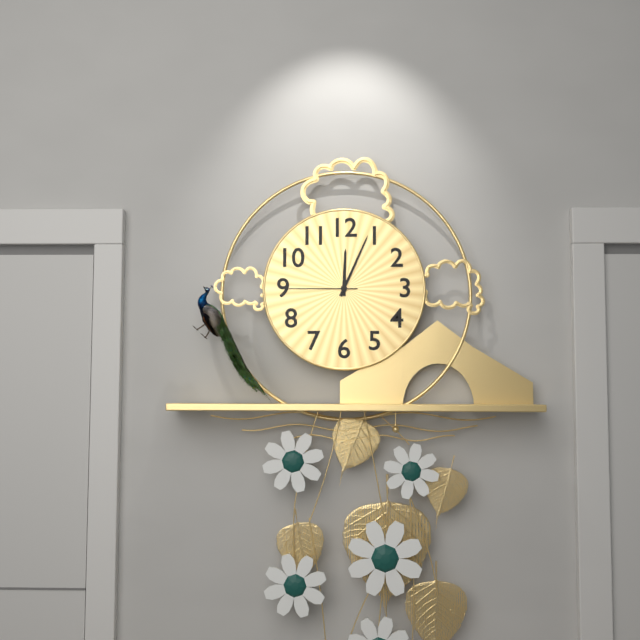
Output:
12:04:45
